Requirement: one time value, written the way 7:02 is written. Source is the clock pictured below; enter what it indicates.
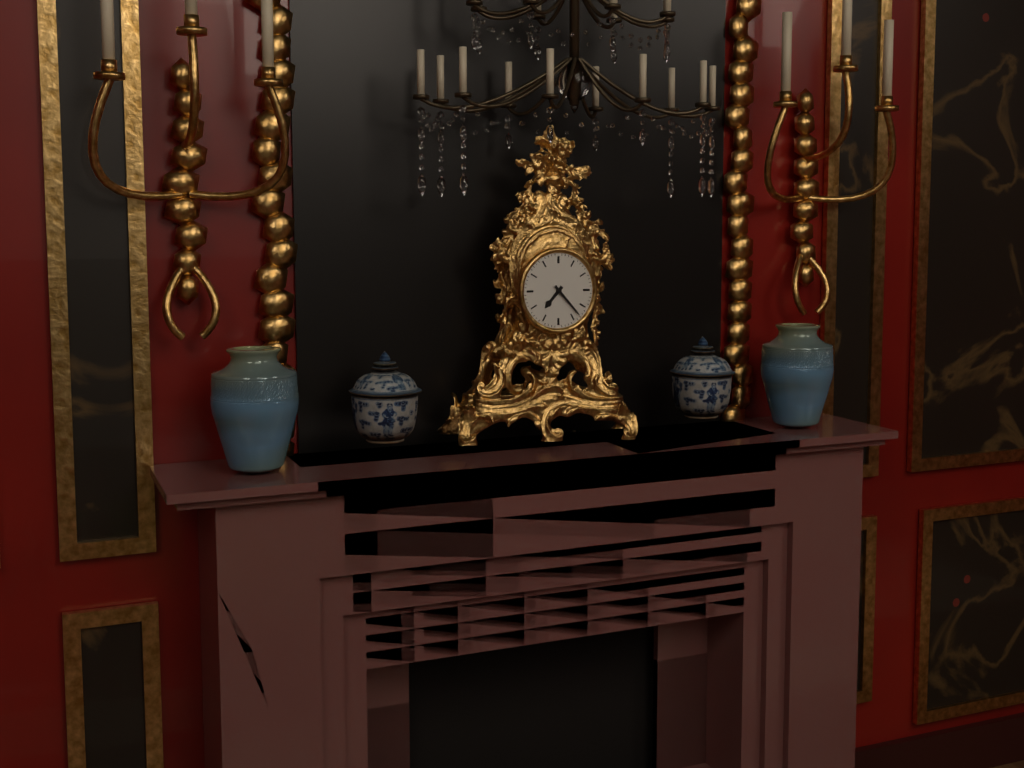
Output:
7:23
